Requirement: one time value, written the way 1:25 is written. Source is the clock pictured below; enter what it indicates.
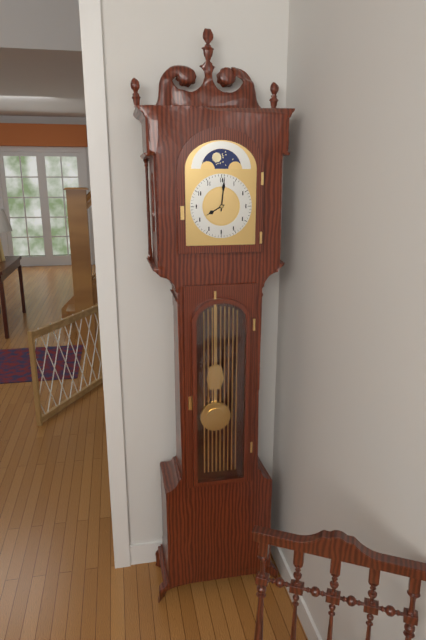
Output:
8:01
